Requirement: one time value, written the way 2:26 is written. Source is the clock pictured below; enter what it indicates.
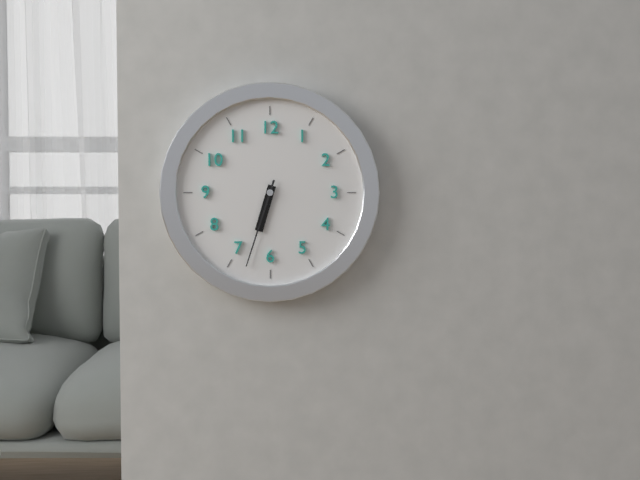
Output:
6:33
